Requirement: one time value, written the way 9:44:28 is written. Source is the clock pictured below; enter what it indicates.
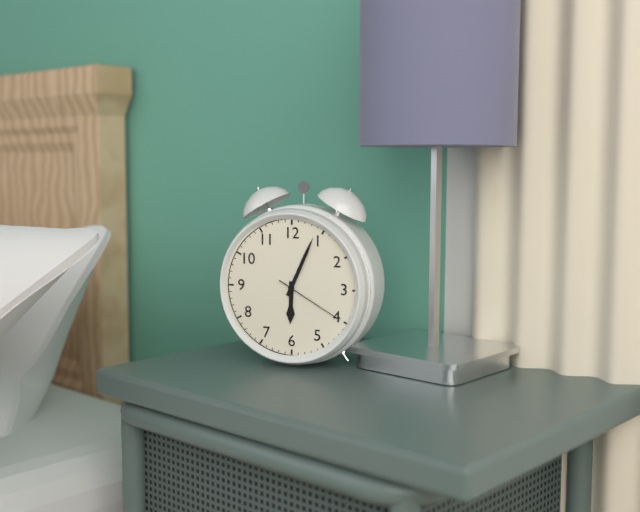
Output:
6:04:20
